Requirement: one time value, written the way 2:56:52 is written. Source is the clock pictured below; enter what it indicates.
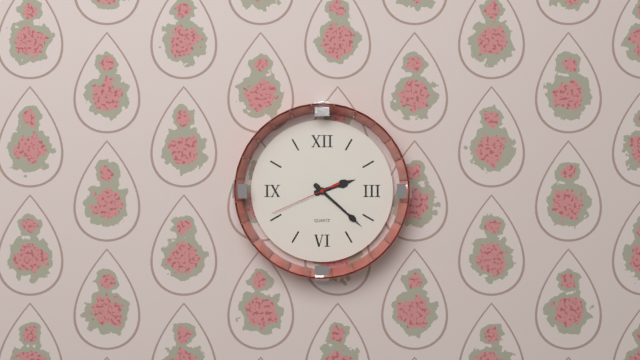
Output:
2:22:41
